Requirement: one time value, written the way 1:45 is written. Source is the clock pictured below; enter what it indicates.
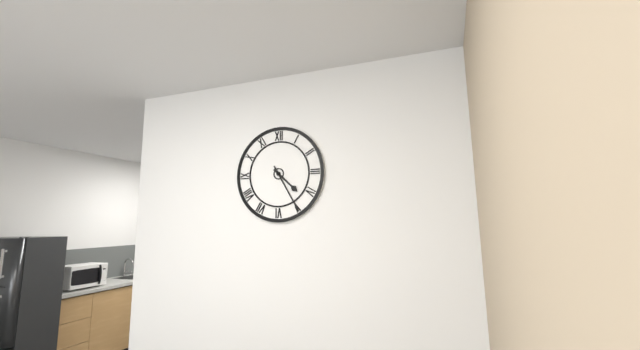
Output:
4:25
